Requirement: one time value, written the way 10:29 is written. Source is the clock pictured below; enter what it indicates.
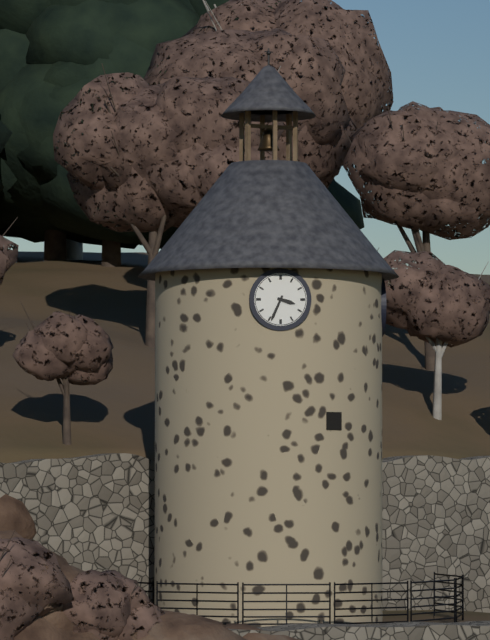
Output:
3:34
